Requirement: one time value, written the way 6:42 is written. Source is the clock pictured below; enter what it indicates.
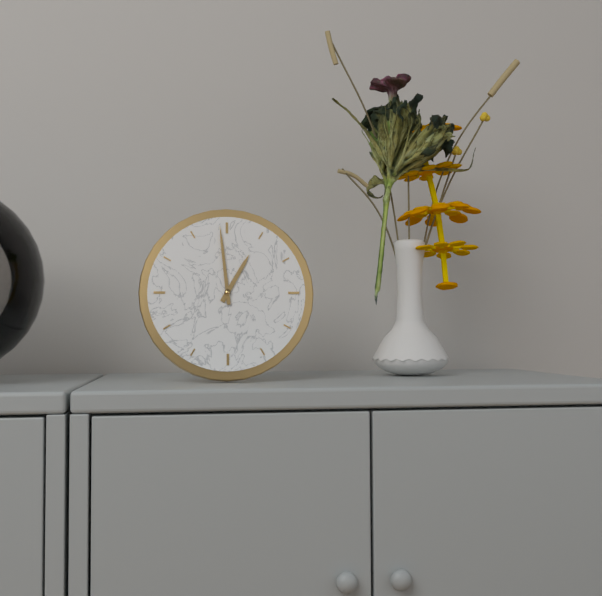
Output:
12:59
